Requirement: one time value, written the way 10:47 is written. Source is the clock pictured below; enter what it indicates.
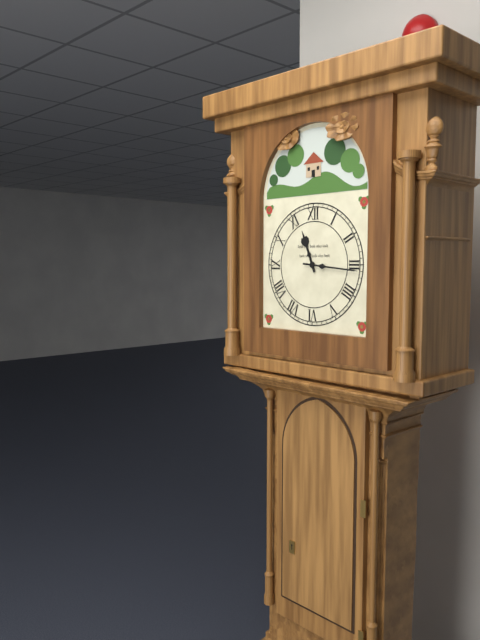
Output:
11:16
